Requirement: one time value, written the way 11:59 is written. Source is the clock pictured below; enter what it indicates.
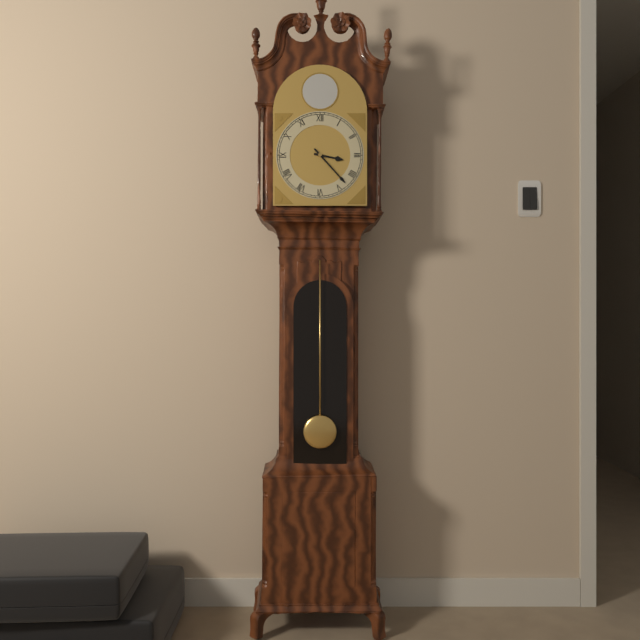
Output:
3:23
